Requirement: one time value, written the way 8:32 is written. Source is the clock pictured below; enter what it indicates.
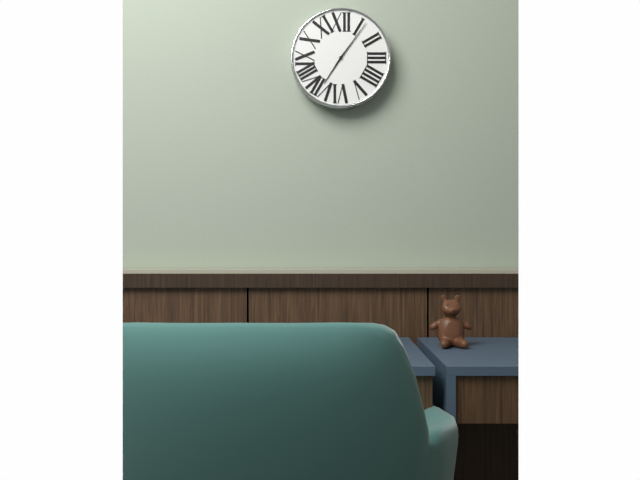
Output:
7:06
